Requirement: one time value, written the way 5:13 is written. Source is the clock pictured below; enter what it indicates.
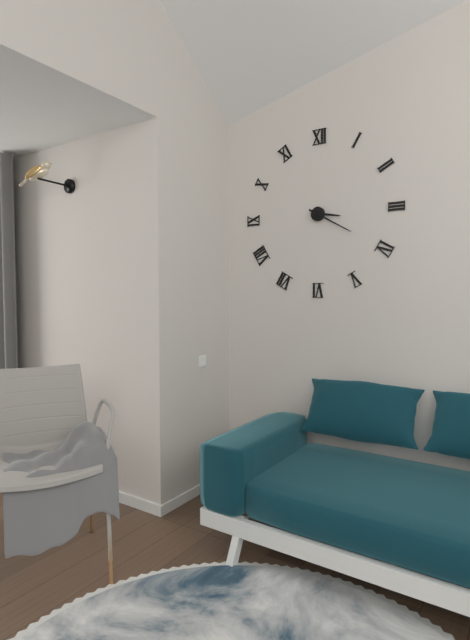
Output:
3:20
